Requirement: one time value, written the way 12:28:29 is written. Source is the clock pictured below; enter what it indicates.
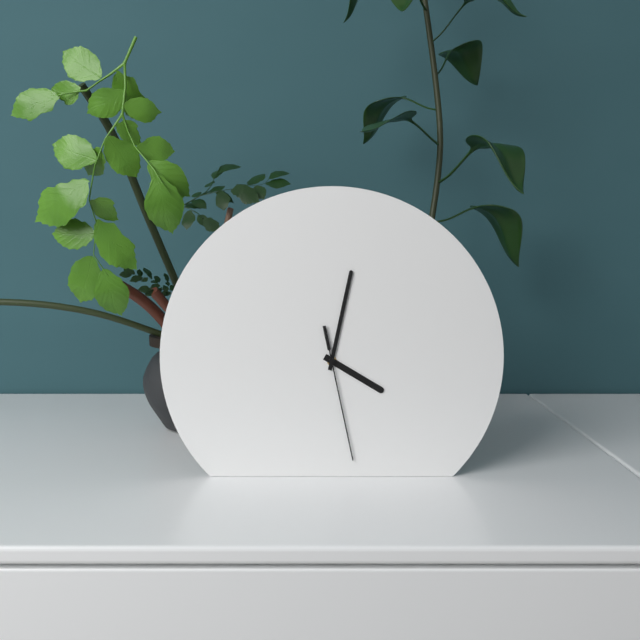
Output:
4:02:28
